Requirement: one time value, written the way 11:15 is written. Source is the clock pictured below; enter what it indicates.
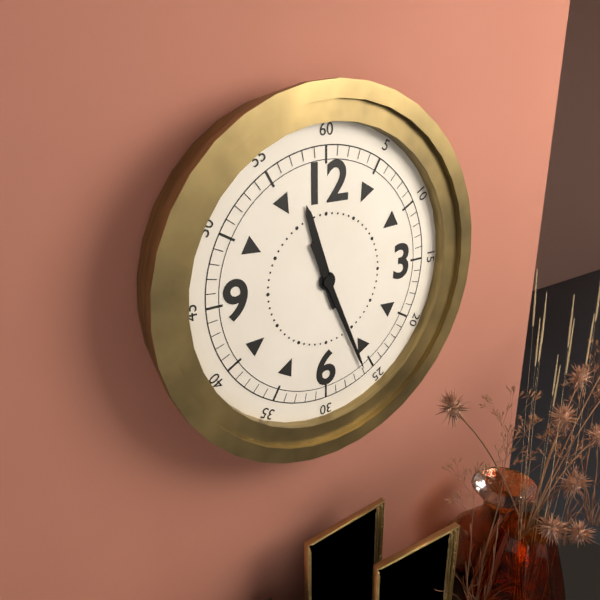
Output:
11:26
